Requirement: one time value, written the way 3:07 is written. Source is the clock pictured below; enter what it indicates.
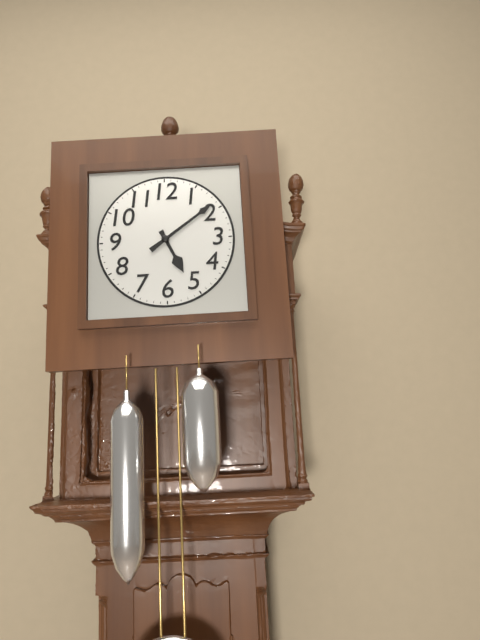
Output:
5:09
